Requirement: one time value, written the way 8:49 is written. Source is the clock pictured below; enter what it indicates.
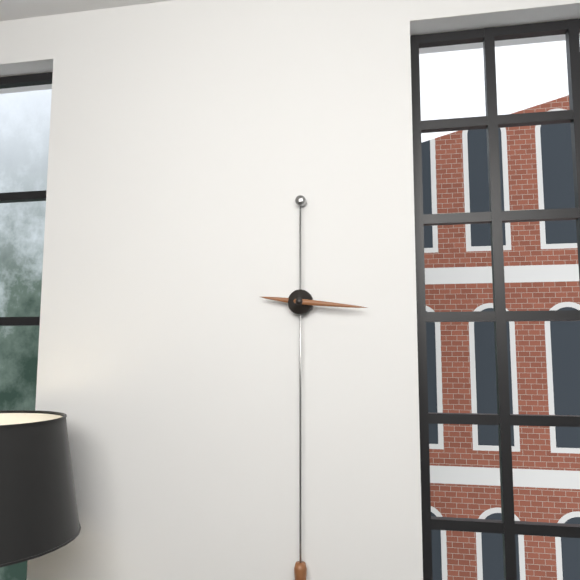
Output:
9:16
